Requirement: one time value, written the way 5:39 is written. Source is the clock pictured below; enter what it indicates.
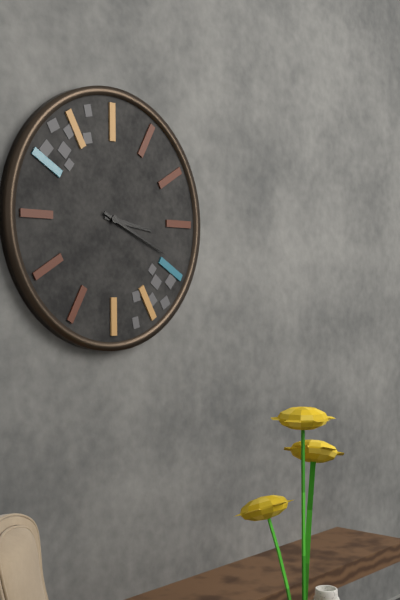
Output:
3:19
